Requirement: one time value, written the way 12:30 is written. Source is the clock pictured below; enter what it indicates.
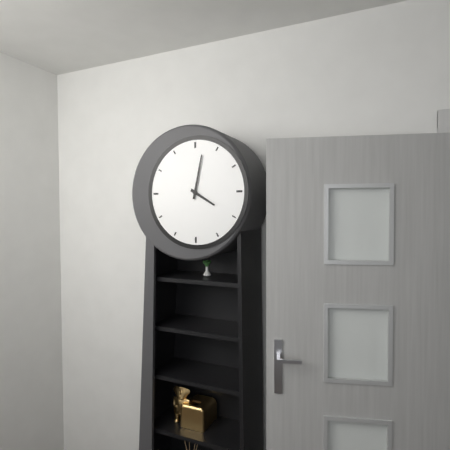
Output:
4:02
